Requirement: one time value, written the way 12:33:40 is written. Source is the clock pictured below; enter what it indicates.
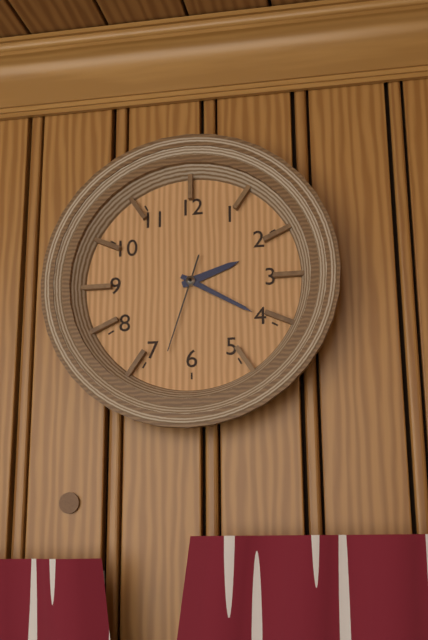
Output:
2:20:33
